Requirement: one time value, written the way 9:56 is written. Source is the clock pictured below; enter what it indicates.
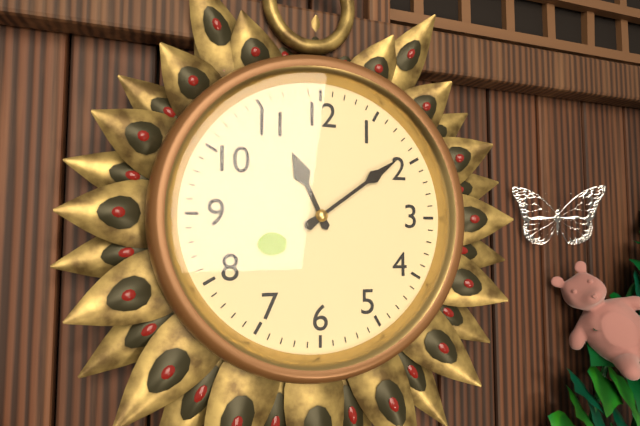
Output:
11:09
